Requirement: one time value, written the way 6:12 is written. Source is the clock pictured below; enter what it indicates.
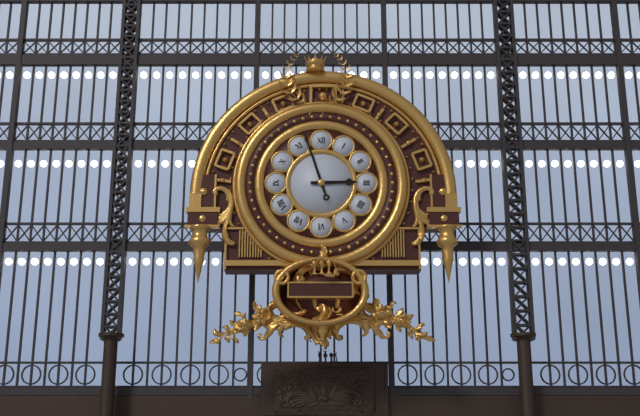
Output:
2:57
